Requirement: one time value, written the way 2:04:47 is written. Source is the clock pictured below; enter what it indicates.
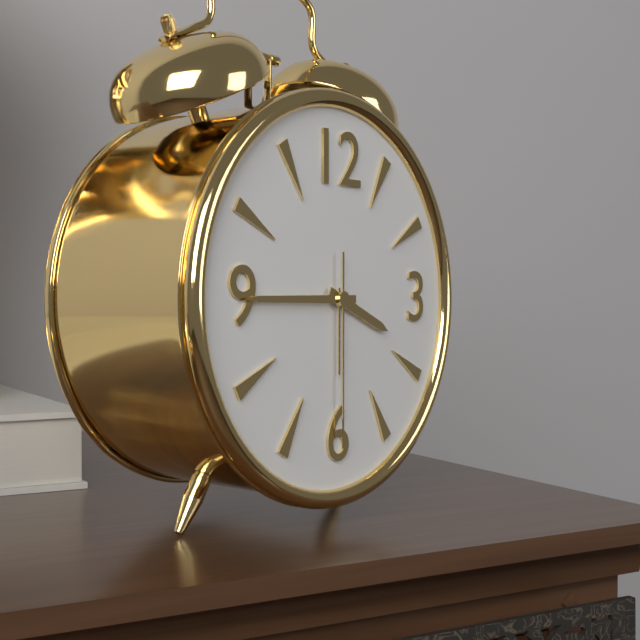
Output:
3:45:30
